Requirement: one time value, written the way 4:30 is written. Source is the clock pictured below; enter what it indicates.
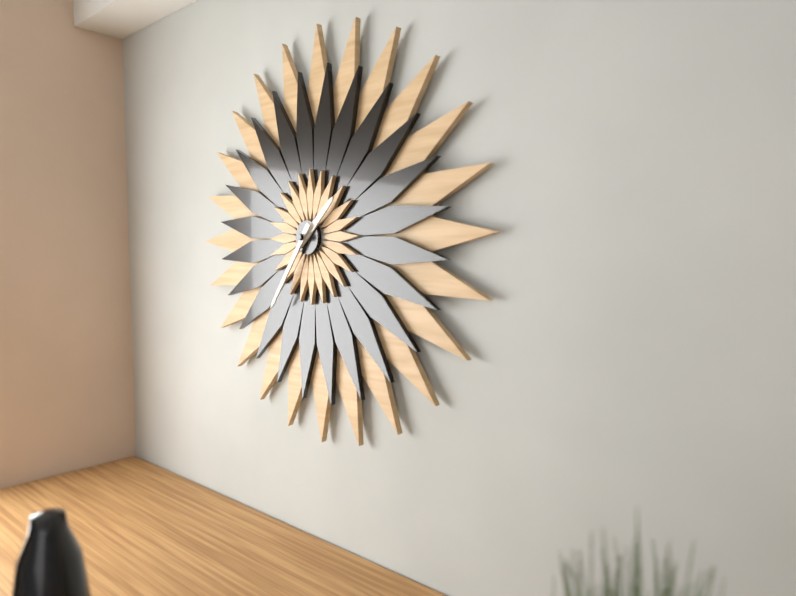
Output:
1:36
